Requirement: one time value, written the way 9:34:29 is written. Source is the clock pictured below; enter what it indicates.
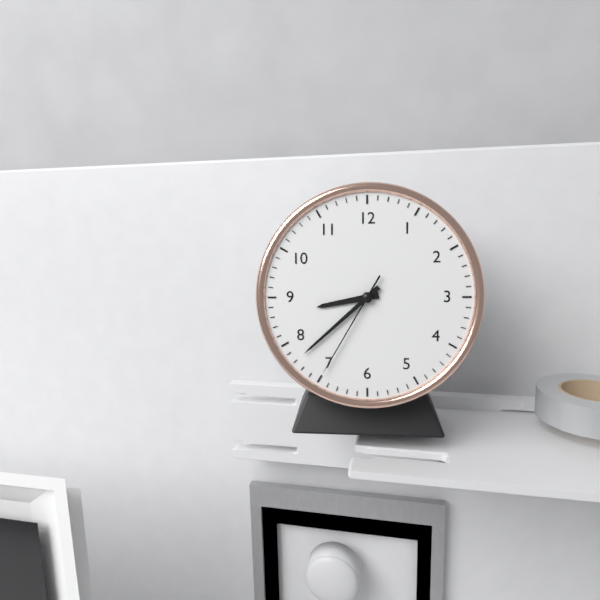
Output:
8:38:35
